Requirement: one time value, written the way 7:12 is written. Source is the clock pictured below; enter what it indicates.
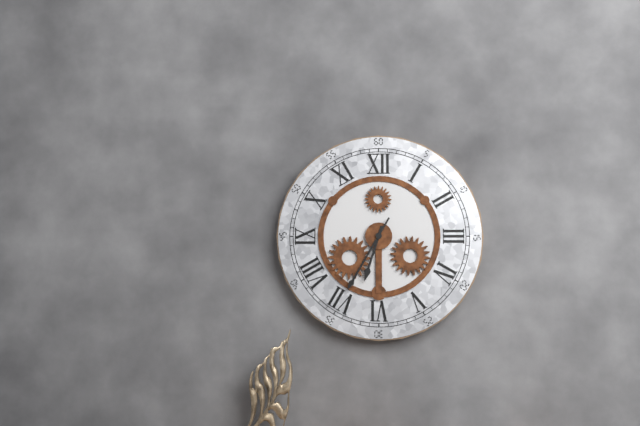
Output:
6:35
